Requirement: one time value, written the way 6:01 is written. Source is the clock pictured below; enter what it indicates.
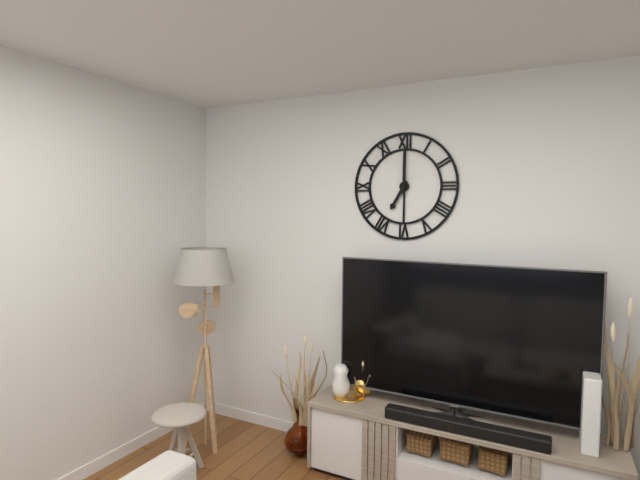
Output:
7:00
